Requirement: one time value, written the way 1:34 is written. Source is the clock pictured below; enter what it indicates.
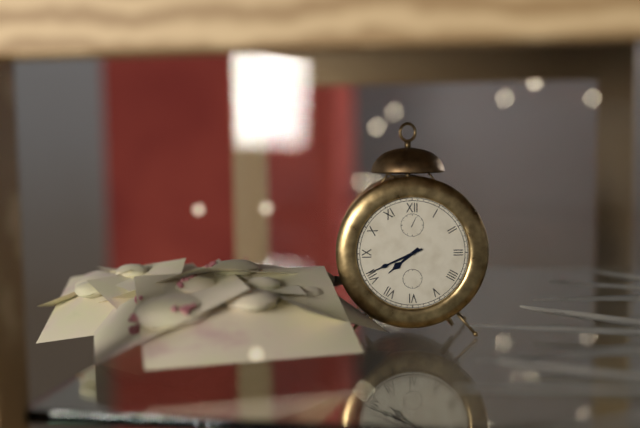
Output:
7:41
